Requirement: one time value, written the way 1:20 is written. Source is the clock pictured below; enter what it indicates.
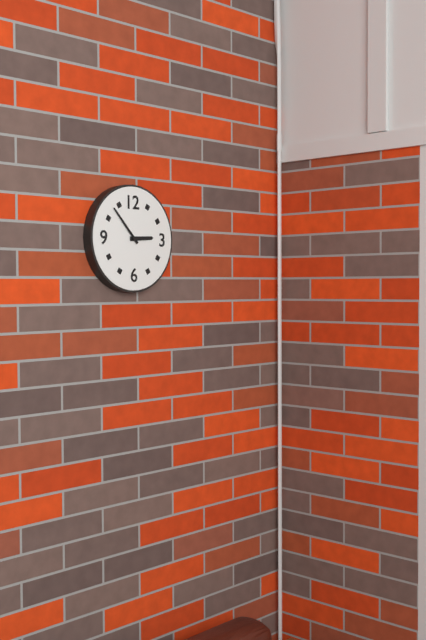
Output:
2:53
